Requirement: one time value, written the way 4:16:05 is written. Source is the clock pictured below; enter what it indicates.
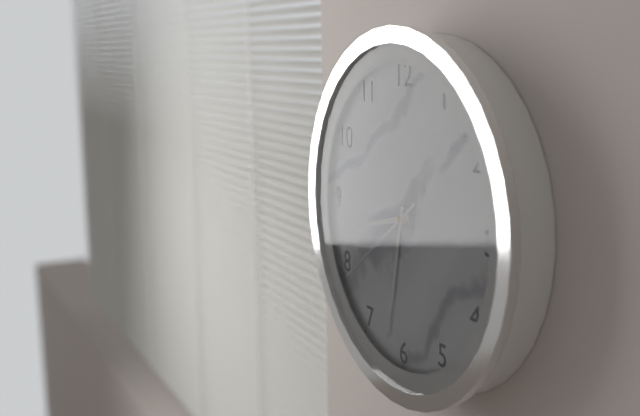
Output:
8:32:39
